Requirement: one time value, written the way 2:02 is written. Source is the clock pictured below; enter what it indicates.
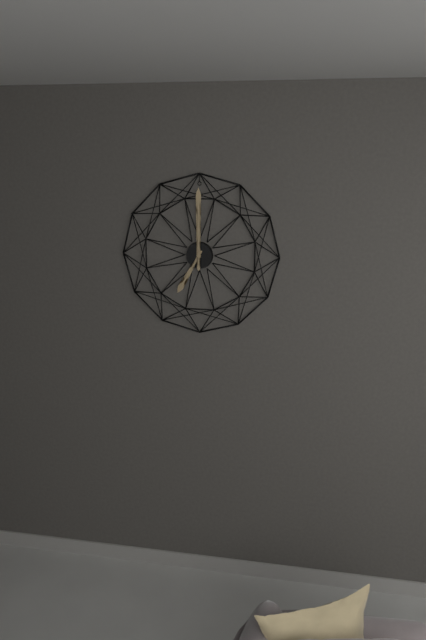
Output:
7:00
